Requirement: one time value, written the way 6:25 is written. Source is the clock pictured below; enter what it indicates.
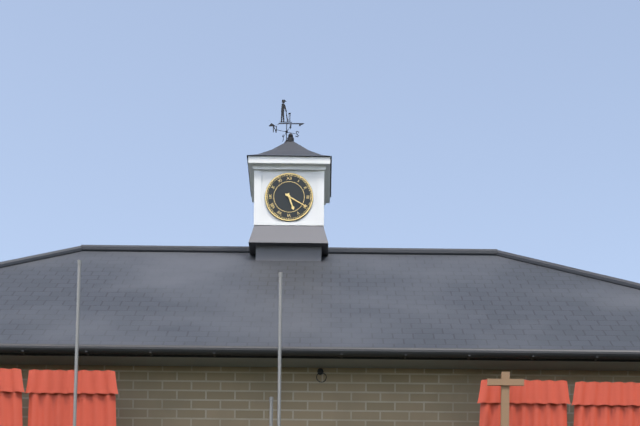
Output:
5:20
